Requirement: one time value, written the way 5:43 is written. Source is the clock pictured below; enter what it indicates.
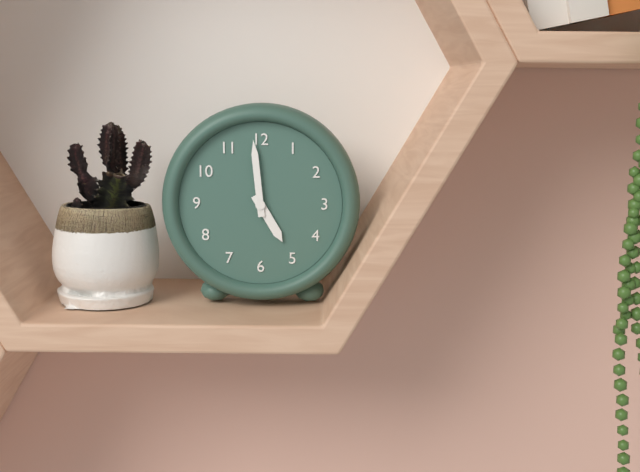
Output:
4:59
